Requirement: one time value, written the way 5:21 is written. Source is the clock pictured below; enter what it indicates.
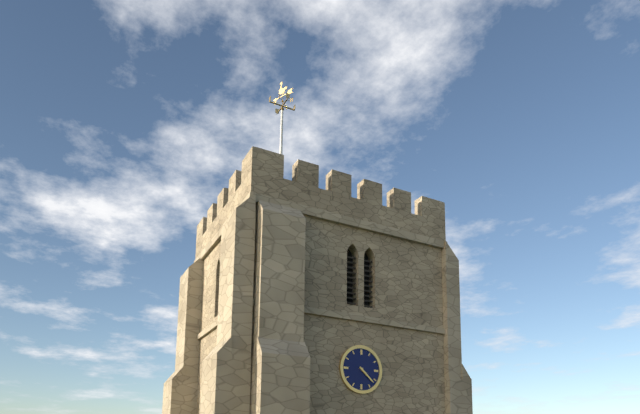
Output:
4:22
